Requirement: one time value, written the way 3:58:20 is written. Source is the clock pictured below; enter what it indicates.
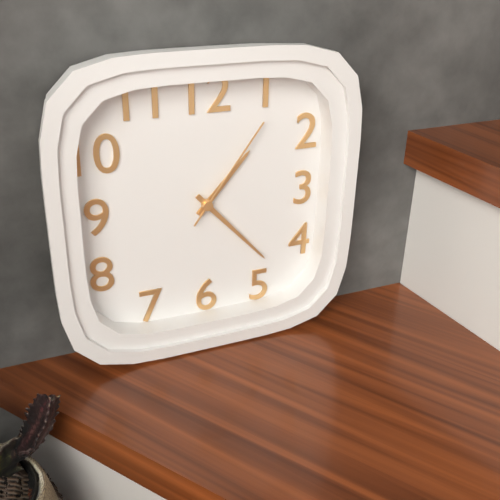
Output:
1:23:06
